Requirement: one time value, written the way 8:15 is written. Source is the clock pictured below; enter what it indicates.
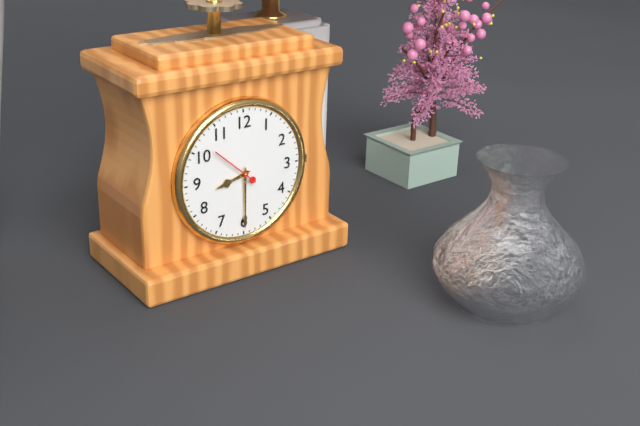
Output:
8:30
